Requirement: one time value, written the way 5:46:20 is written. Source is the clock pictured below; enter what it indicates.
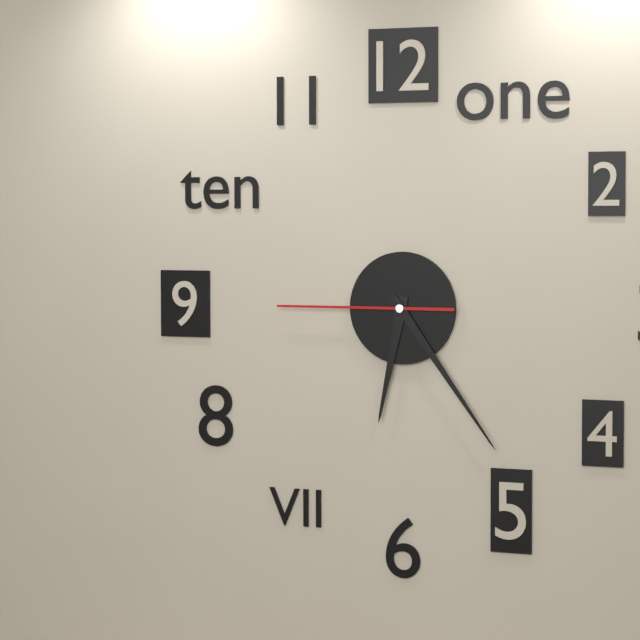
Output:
6:24:45
